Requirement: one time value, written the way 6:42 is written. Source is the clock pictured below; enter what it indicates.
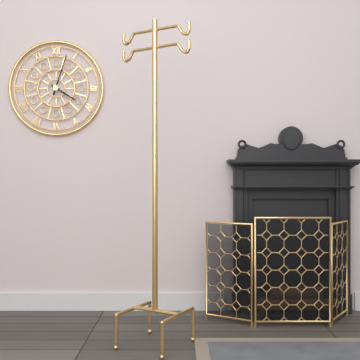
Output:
4:03
